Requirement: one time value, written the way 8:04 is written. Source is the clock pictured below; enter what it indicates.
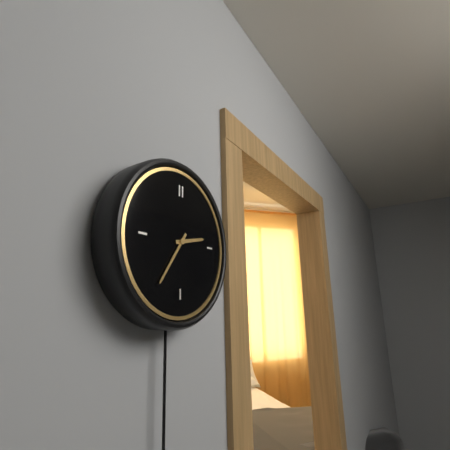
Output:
2:36
